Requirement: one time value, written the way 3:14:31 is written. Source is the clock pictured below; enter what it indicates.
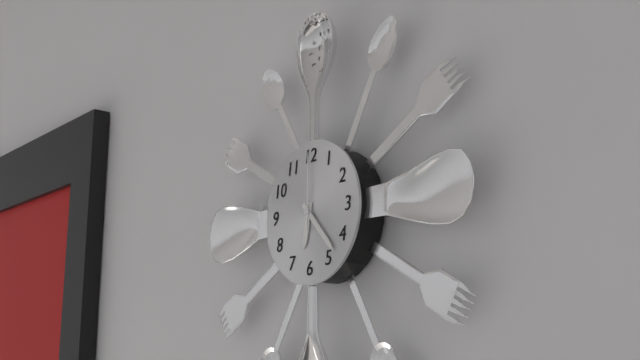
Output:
6:23:00
